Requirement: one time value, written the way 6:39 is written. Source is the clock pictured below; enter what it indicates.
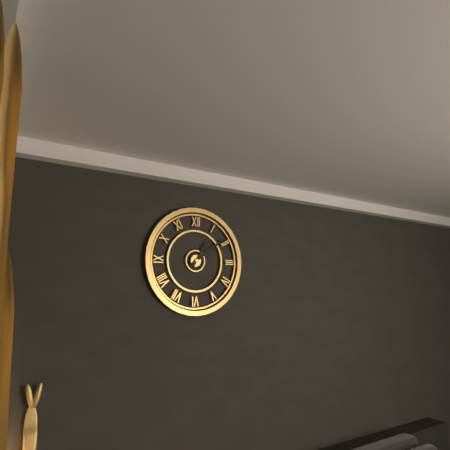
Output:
1:09
